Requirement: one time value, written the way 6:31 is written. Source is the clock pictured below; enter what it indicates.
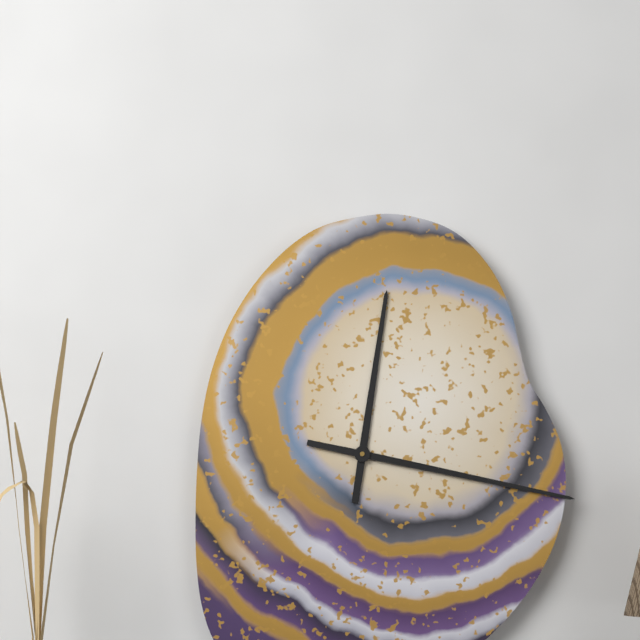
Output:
12:17
